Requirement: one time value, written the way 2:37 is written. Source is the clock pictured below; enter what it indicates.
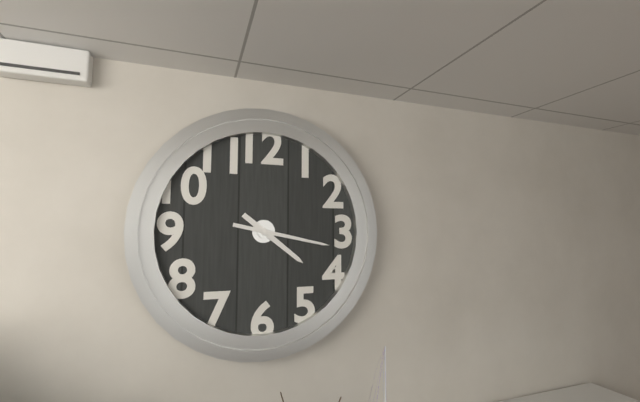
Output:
4:17
